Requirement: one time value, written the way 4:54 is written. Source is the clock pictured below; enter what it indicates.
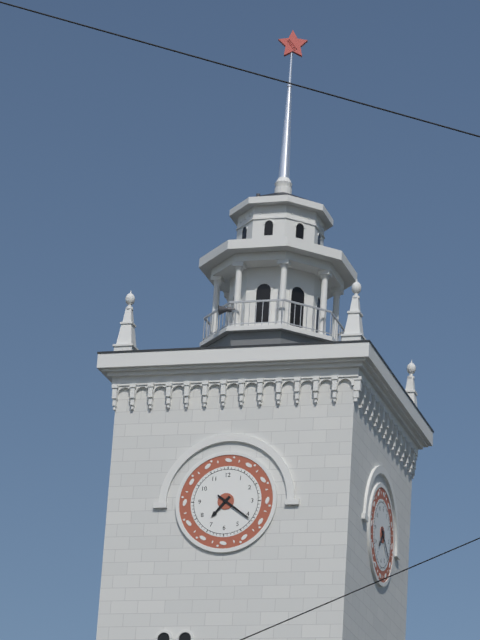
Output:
7:21
